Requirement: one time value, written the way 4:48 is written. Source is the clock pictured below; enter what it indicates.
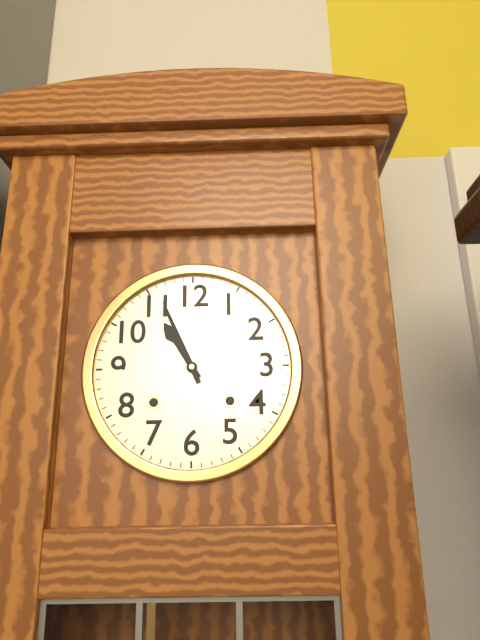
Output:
10:56
